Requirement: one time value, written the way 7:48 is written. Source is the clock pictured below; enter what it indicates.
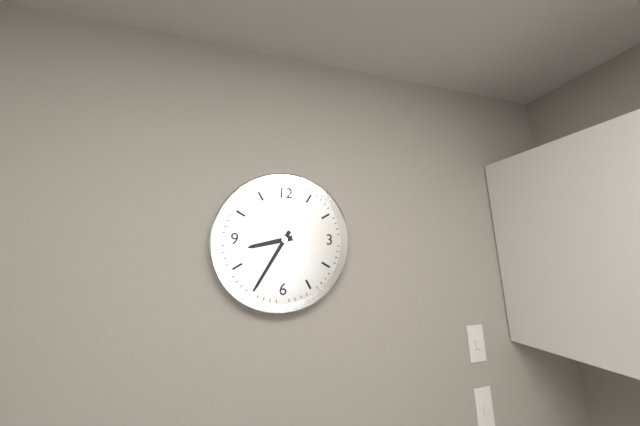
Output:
8:35
